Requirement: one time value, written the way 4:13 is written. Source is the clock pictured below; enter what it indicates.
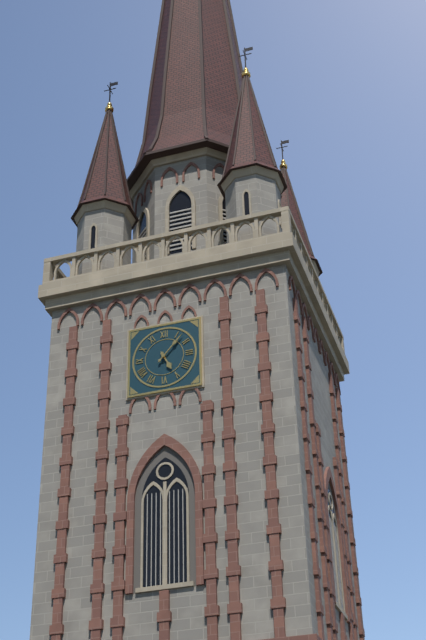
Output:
5:07
